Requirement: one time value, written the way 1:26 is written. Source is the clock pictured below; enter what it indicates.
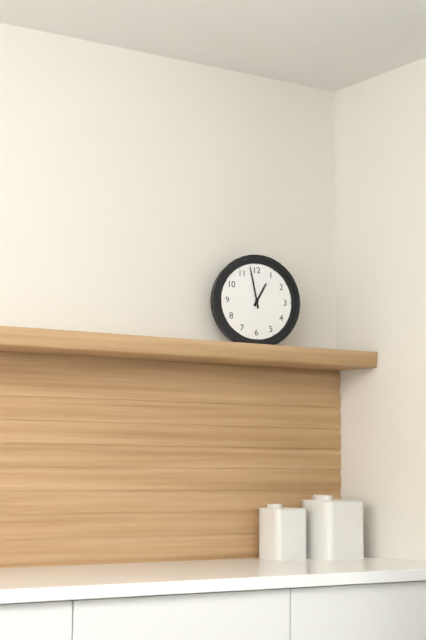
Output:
12:58
